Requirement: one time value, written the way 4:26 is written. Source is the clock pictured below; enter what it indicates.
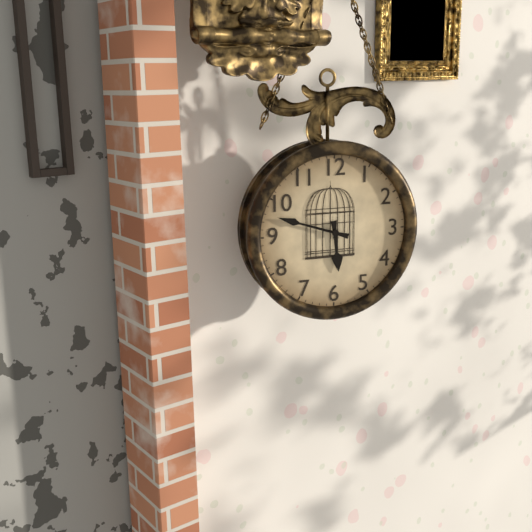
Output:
5:48
